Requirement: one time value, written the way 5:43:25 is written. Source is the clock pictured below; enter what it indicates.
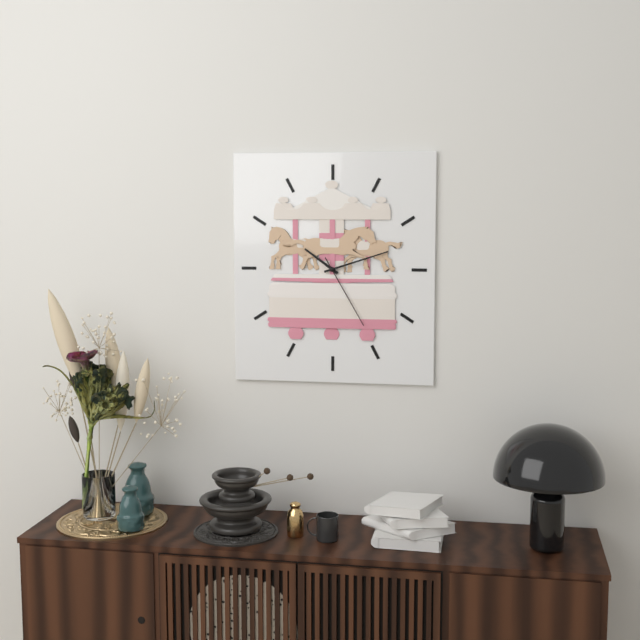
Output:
10:12:25
